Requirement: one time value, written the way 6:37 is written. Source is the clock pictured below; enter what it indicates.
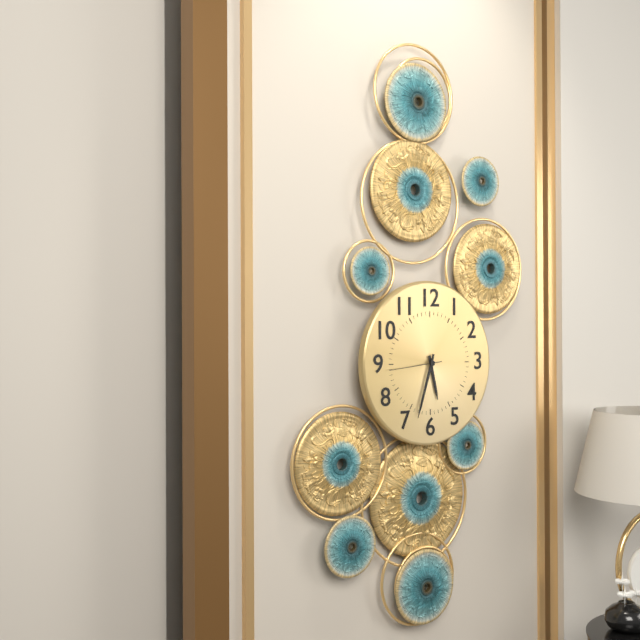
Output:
5:33
